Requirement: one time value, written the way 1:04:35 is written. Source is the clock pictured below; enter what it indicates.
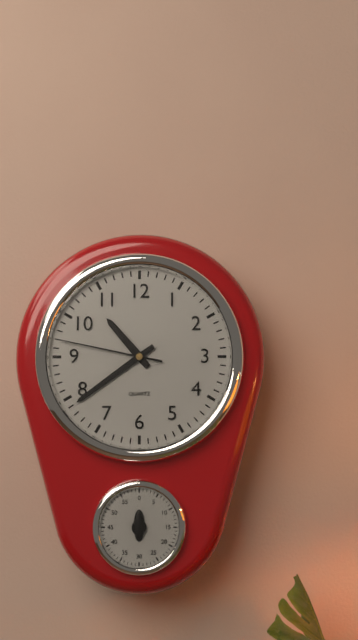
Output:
10:39:47
